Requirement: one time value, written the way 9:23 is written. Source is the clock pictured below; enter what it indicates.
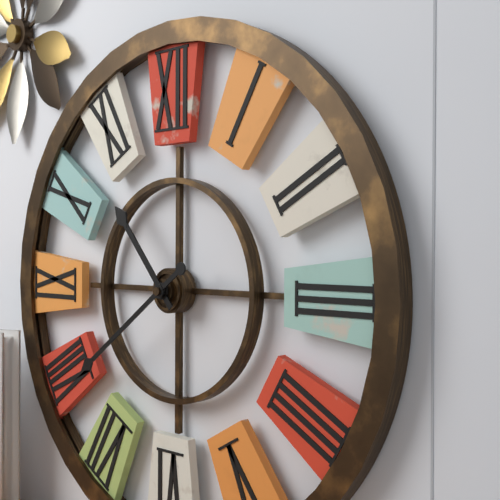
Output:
10:39
